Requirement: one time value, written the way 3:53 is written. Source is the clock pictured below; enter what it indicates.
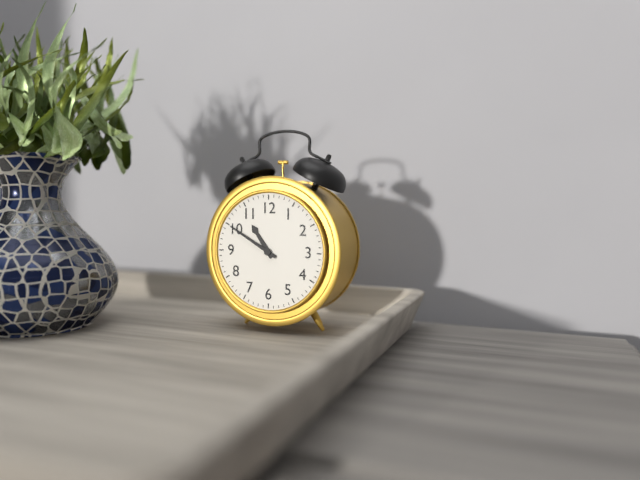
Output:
10:50
